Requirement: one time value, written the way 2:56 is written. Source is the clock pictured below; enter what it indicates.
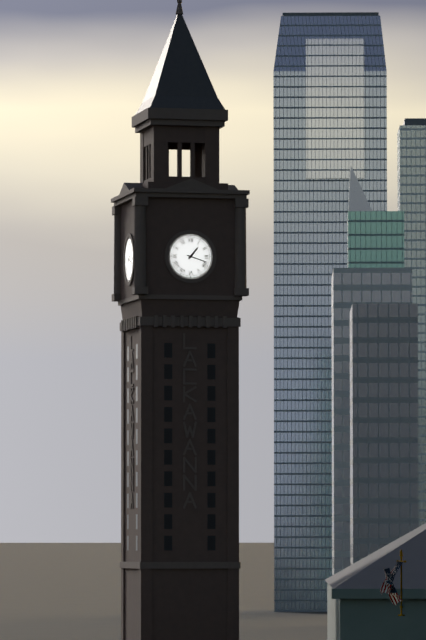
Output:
1:18
